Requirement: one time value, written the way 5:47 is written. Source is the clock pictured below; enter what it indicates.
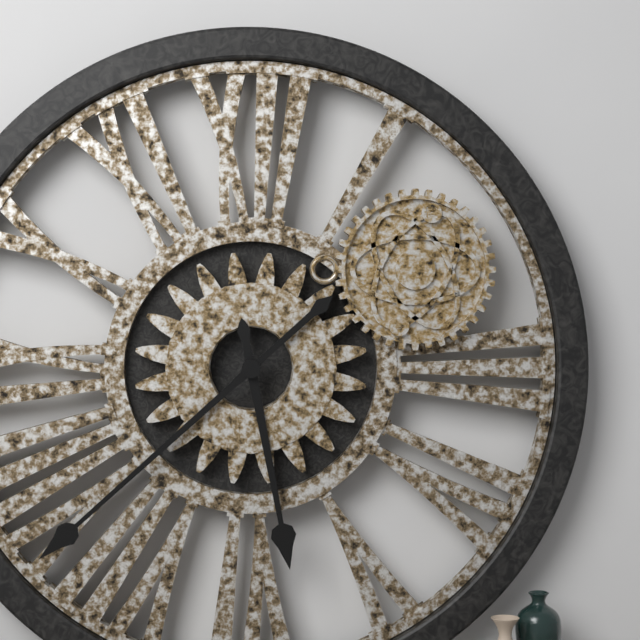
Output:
5:38
